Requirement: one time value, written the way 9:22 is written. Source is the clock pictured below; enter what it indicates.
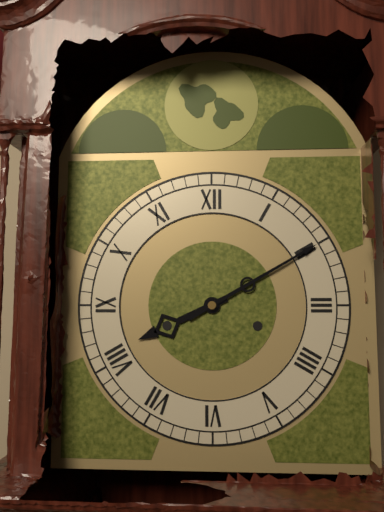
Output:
8:10
